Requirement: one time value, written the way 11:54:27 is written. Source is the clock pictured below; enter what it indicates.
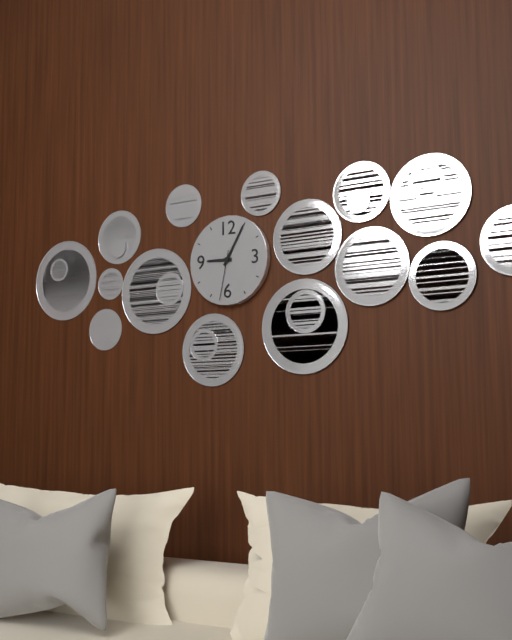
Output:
9:05:32
